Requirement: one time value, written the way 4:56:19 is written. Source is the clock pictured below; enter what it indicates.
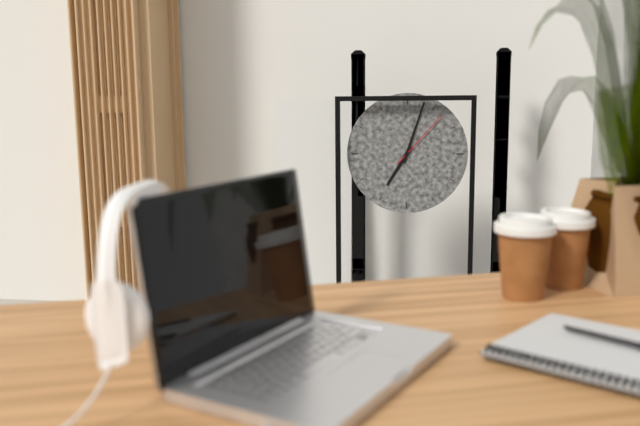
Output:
7:03:07
